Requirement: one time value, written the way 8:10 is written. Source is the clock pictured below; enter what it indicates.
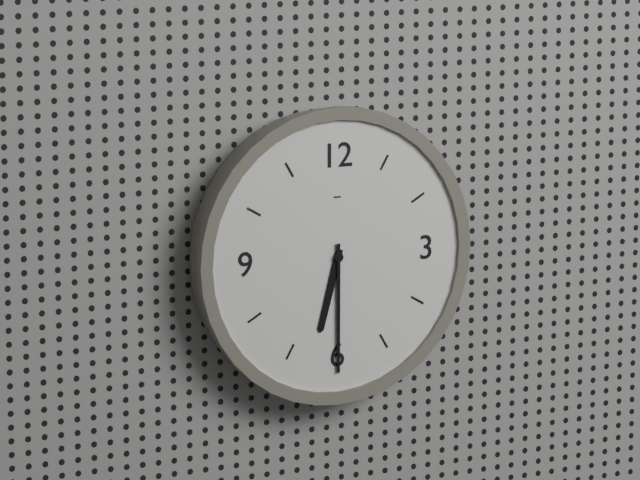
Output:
6:30
